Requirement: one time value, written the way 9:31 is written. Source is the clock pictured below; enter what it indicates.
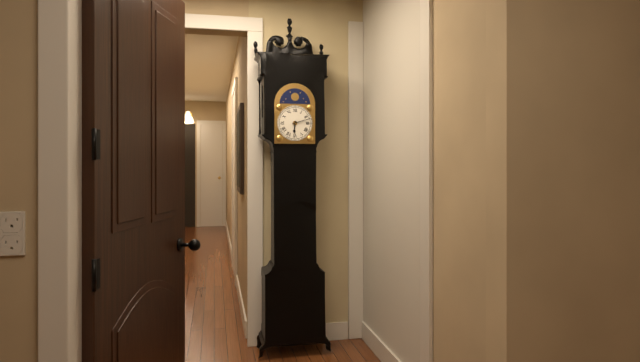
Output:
6:12
